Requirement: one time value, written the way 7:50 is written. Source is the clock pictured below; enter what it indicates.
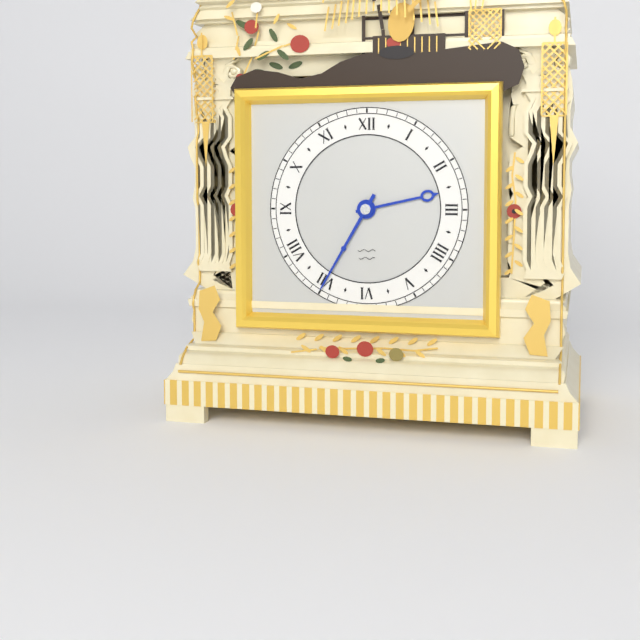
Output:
2:35
